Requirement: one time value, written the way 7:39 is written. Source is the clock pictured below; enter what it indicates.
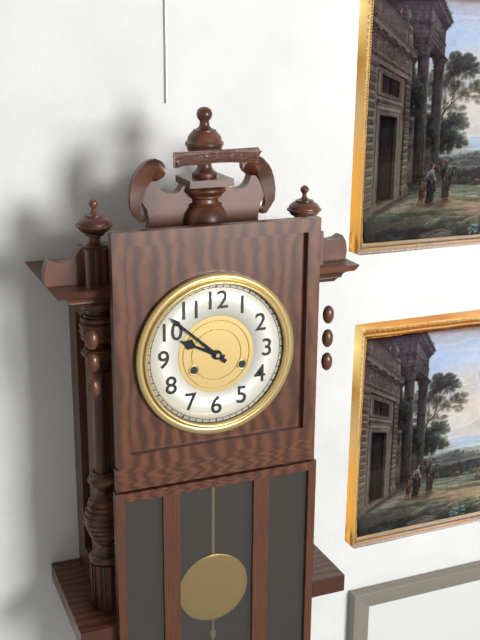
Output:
9:52
